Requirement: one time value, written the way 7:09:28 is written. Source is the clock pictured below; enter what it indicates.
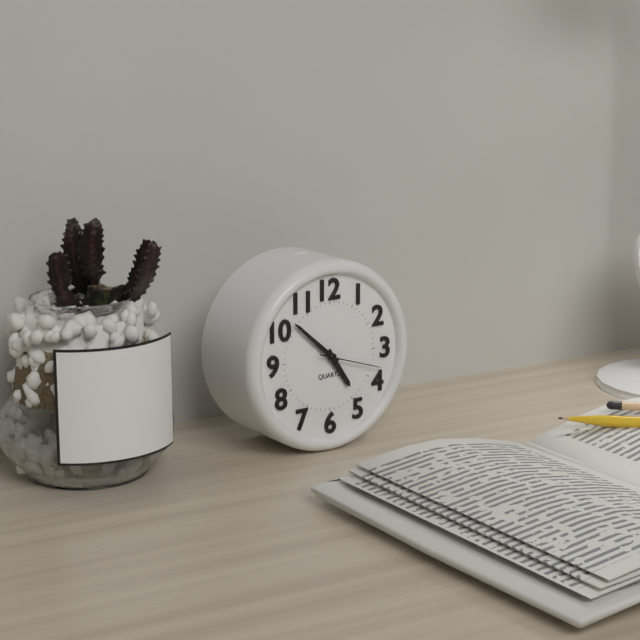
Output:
4:52:18
